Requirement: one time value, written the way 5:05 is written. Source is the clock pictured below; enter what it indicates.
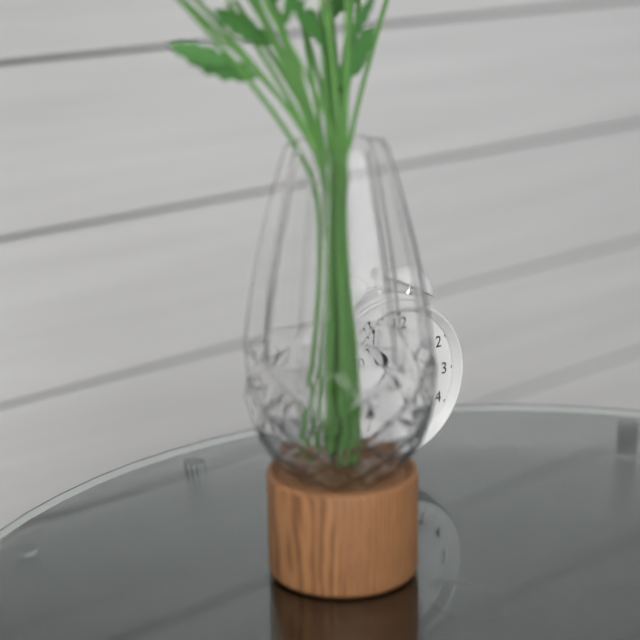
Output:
10:41
